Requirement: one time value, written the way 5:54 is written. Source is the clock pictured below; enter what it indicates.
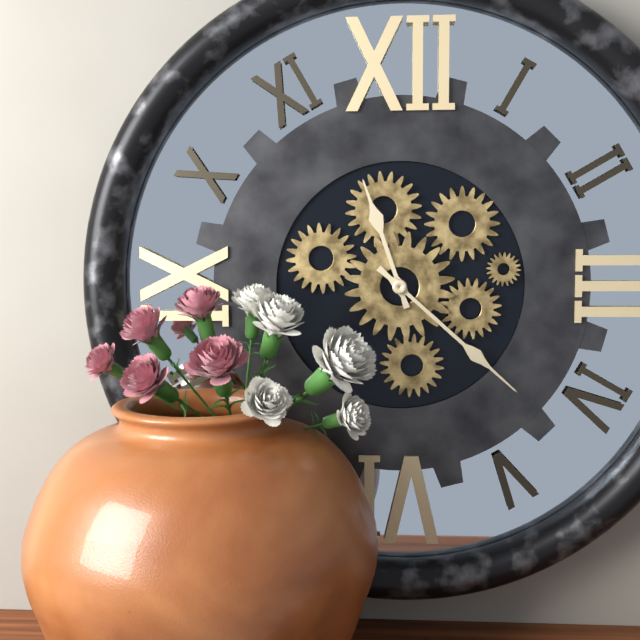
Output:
11:22
